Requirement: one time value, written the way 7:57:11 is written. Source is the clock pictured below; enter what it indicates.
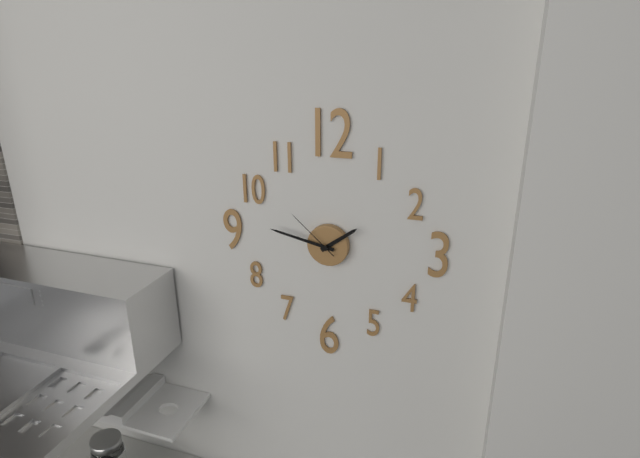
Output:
1:47:52
